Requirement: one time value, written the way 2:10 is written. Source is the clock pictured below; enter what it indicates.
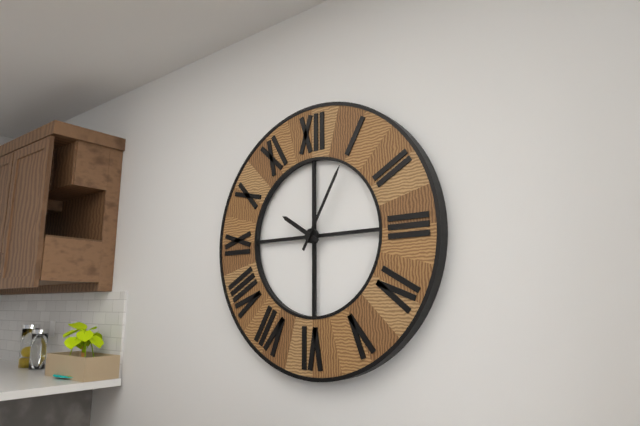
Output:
10:05
